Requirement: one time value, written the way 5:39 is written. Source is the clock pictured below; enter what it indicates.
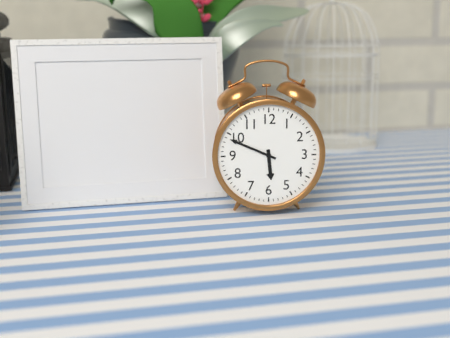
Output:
5:49
